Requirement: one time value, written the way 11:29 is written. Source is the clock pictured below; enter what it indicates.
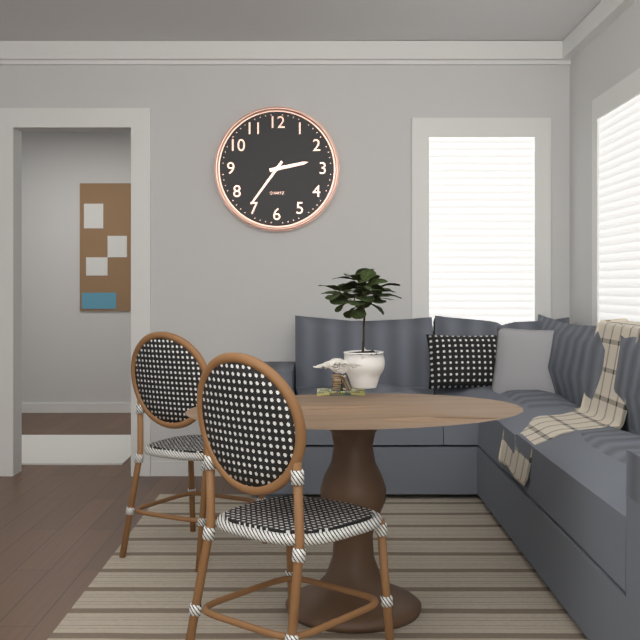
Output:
2:36
